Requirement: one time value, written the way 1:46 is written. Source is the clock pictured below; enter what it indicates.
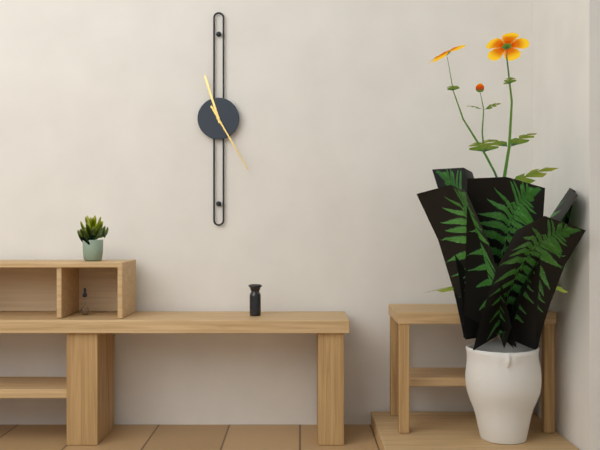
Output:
11:25
